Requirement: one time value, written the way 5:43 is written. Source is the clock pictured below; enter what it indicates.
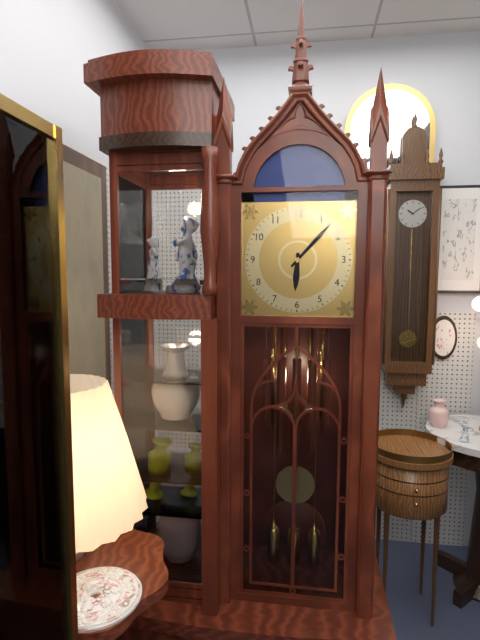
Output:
6:07
